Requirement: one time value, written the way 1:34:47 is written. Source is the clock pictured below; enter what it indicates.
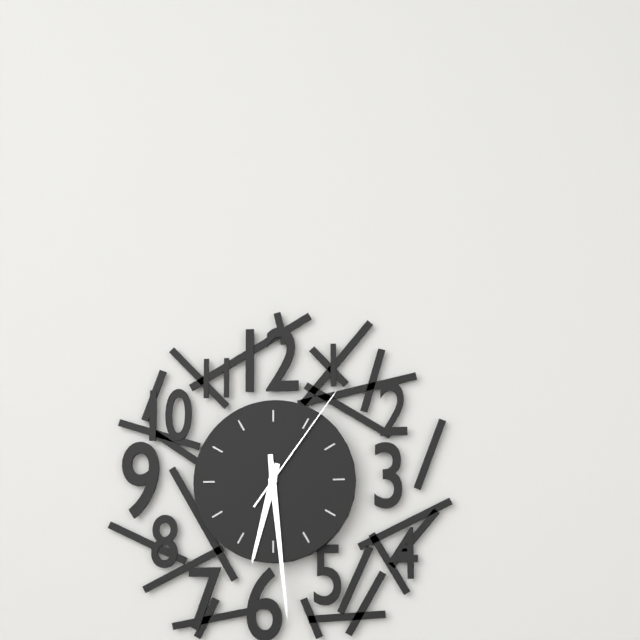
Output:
6:29:06
